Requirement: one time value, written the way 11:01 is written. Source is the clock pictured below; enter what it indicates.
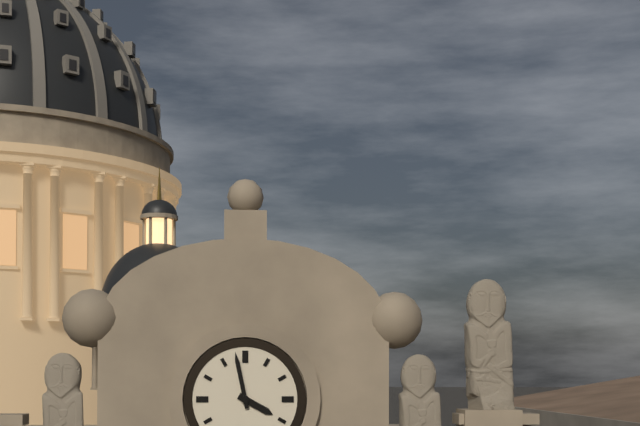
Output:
3:58
